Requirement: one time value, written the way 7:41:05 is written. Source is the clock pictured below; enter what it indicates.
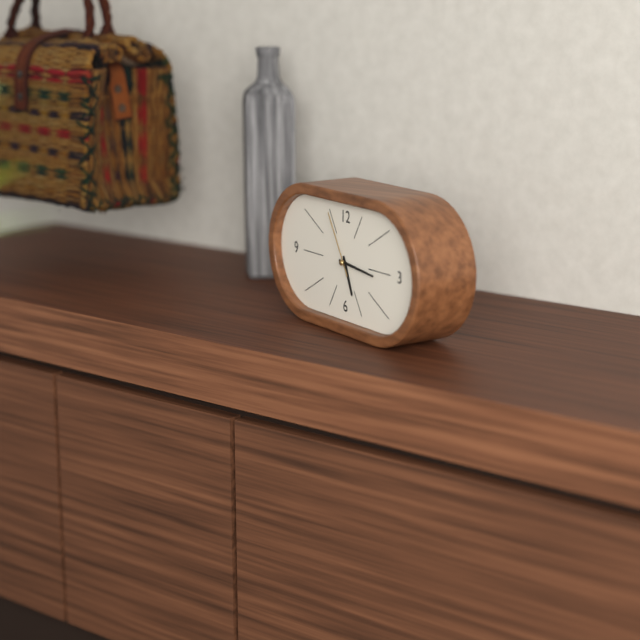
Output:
5:16:55
